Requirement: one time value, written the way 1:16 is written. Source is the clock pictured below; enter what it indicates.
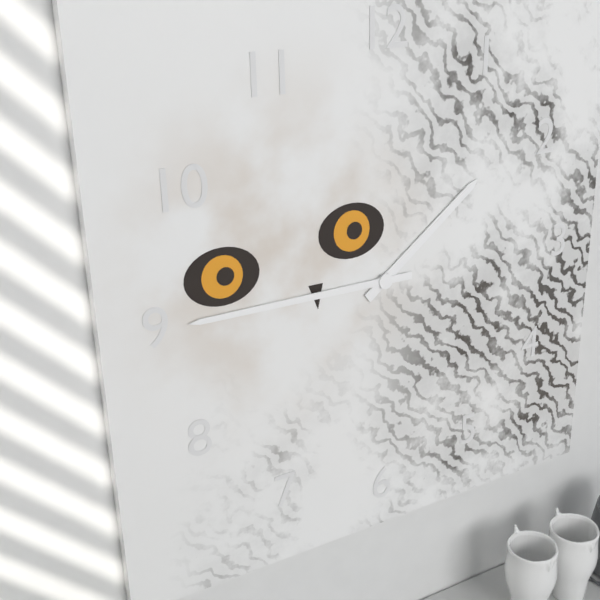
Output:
1:45
